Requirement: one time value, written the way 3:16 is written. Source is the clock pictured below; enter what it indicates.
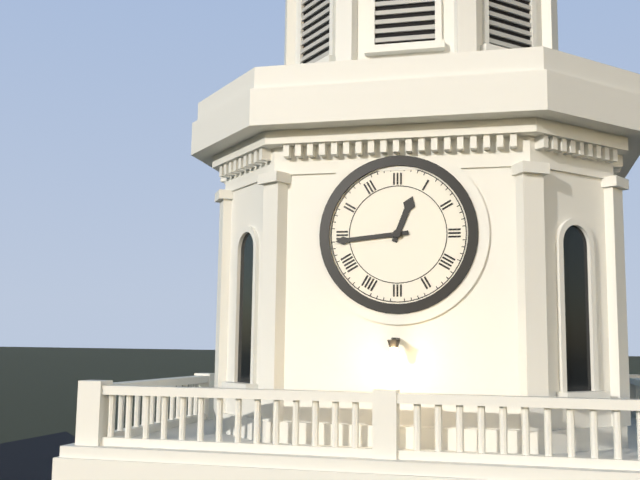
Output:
12:44
